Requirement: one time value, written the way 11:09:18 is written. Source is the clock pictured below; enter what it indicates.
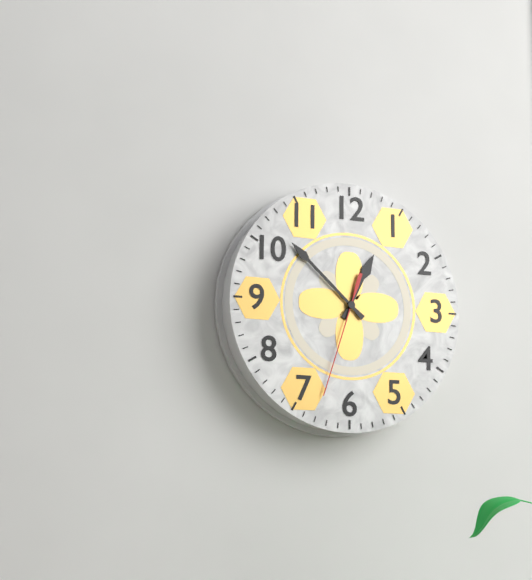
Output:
12:52:33
